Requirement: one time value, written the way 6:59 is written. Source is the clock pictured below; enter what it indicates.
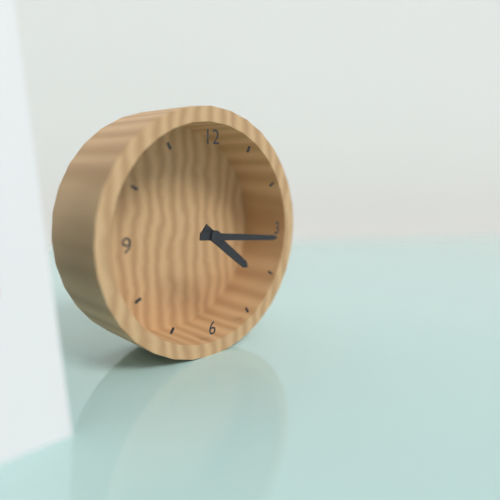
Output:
4:16
